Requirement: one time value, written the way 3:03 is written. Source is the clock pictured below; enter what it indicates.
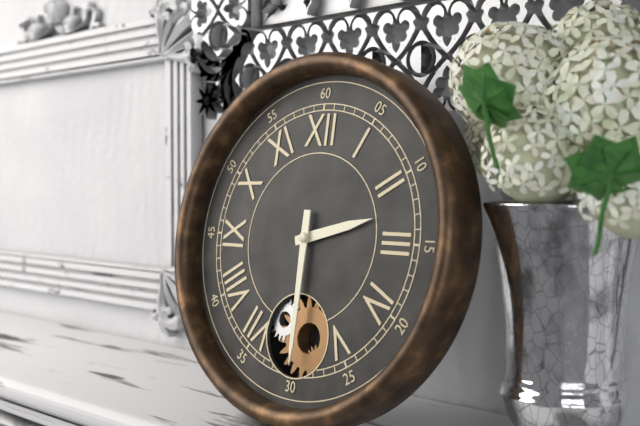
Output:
2:30
